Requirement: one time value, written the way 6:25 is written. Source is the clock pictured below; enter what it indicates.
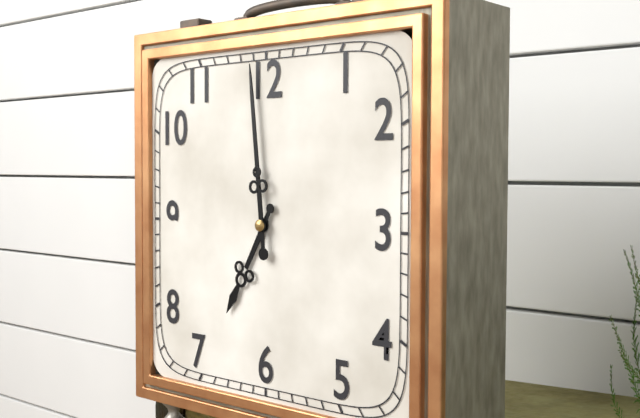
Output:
6:59
